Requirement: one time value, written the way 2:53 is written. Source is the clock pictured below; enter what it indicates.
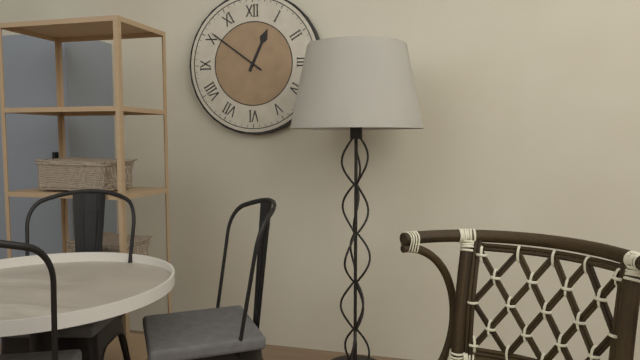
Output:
12:51
